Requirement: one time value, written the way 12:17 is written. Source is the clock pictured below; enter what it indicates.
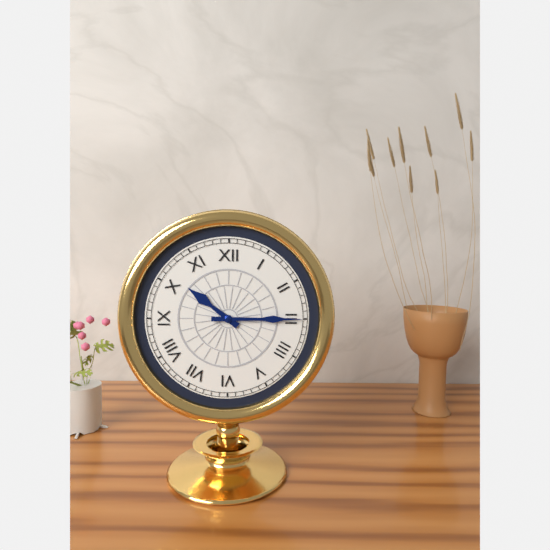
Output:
10:15
